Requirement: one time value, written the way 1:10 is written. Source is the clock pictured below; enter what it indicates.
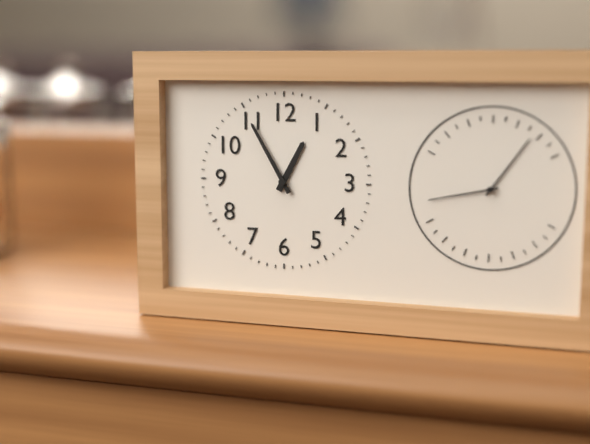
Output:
12:55
